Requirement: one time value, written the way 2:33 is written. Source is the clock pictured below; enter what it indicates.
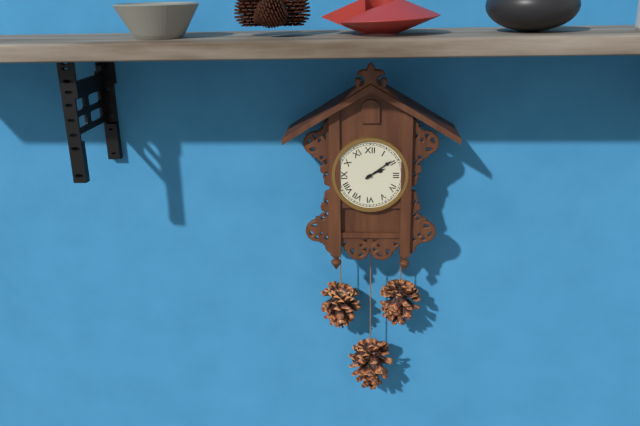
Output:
2:09
